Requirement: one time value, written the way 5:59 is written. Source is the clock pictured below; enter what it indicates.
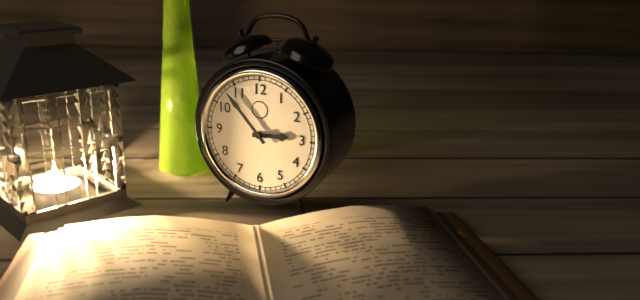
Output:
2:53
